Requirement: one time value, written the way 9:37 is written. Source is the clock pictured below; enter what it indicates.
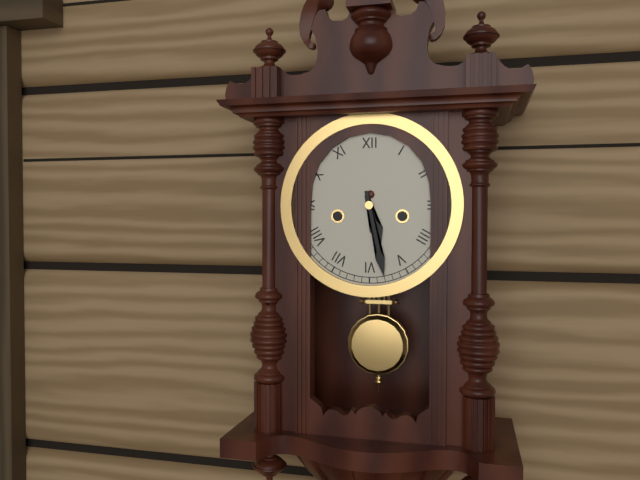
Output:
5:28
